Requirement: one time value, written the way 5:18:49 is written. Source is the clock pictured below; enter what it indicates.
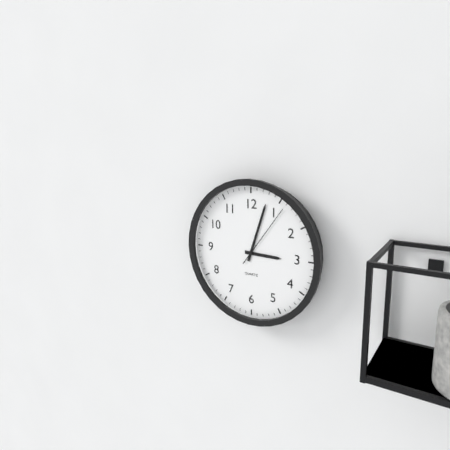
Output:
3:03:06
